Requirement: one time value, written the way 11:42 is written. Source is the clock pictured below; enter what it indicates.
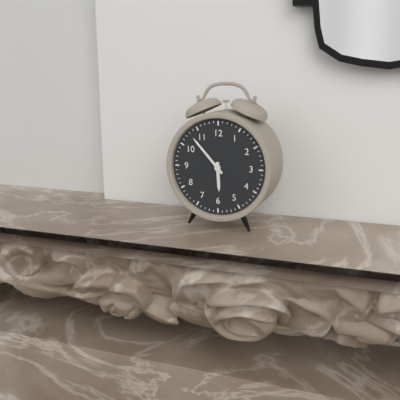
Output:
5:53
